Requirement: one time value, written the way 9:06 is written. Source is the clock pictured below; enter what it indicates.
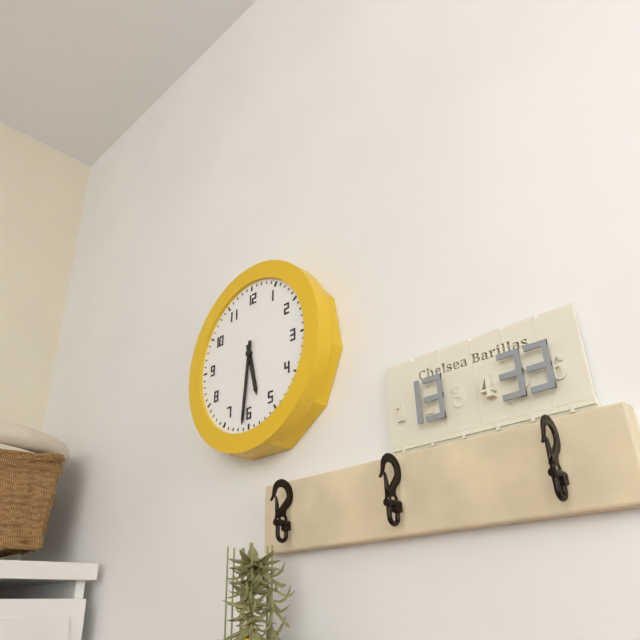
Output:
5:31
